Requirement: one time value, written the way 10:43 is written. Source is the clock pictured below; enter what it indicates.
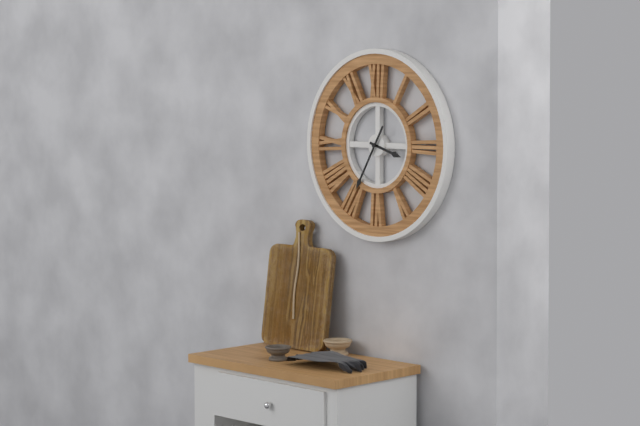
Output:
3:35
